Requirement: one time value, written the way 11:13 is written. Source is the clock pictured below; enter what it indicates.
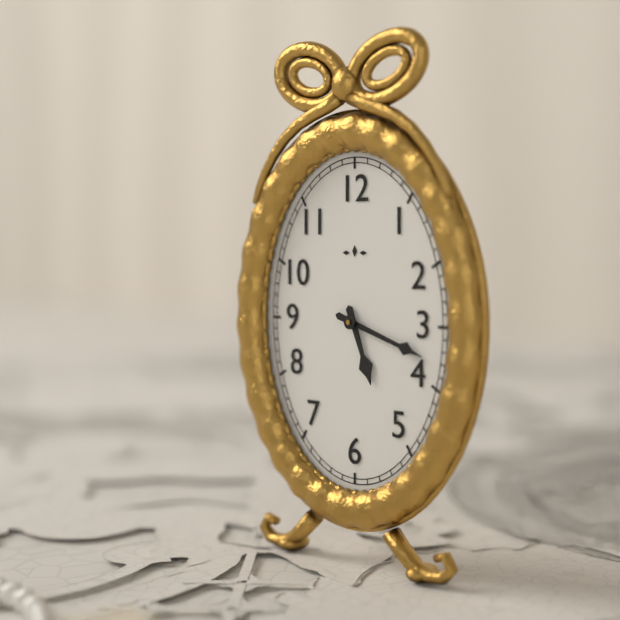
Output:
5:18
